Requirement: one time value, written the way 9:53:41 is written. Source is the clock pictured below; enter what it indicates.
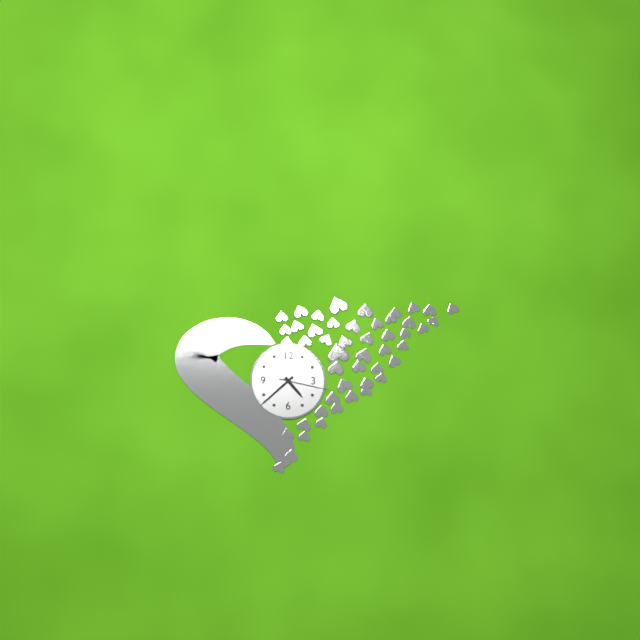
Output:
4:38:17
